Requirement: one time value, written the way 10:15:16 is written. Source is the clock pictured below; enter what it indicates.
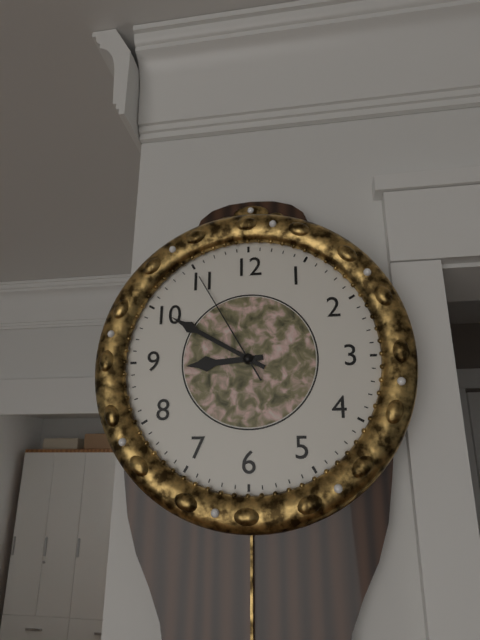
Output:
8:50:55
